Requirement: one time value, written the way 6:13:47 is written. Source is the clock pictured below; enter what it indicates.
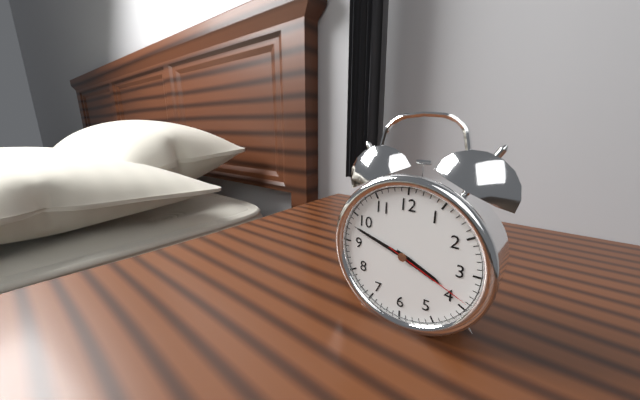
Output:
3:48:19
